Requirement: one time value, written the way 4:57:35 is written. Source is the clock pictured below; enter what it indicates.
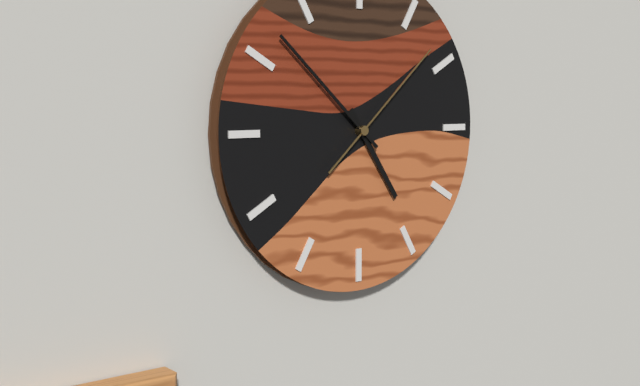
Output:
4:52:08
